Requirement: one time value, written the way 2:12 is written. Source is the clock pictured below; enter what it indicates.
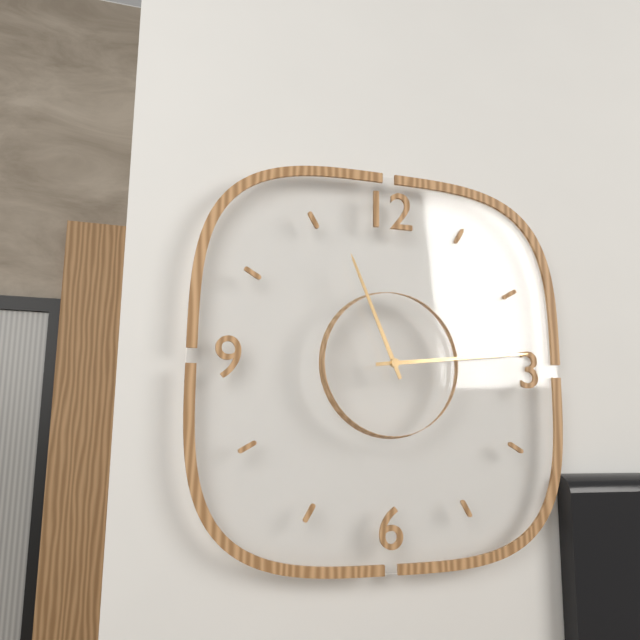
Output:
11:14
